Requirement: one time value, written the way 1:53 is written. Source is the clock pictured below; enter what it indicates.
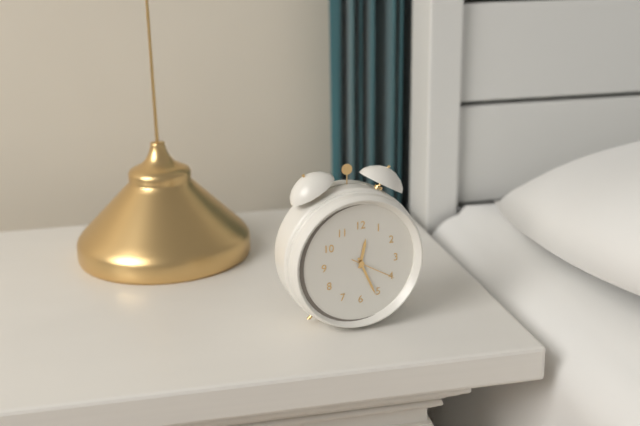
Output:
12:26
